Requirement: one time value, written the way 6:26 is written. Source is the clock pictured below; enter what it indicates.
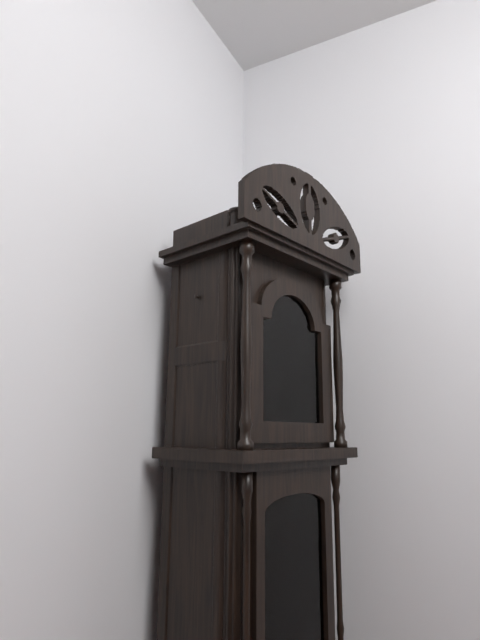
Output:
11:46
